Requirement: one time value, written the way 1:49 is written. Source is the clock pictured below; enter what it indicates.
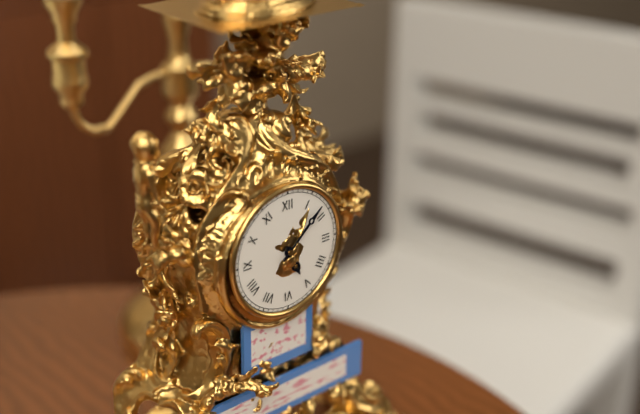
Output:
5:08
